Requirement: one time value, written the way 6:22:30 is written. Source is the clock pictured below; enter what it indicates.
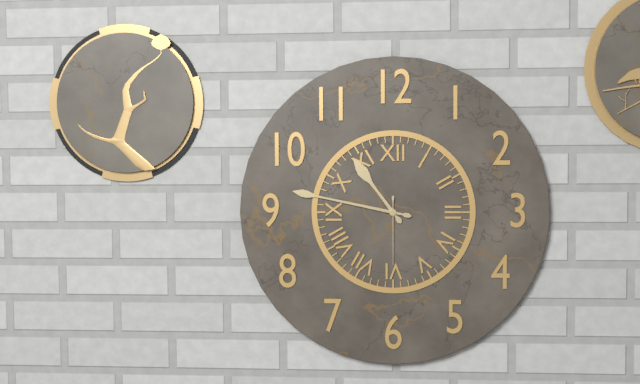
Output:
10:47:30
